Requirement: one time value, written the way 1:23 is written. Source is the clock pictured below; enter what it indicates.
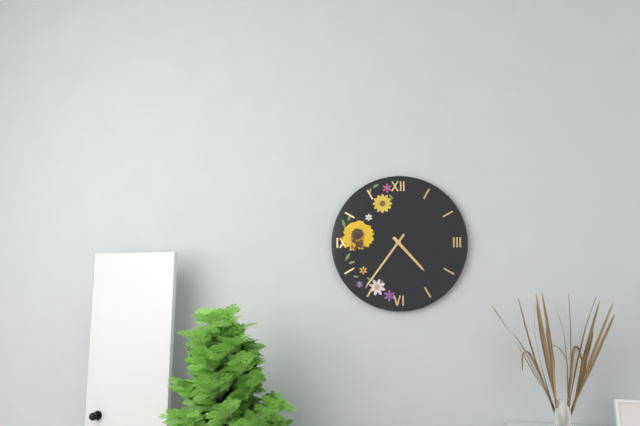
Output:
4:36
